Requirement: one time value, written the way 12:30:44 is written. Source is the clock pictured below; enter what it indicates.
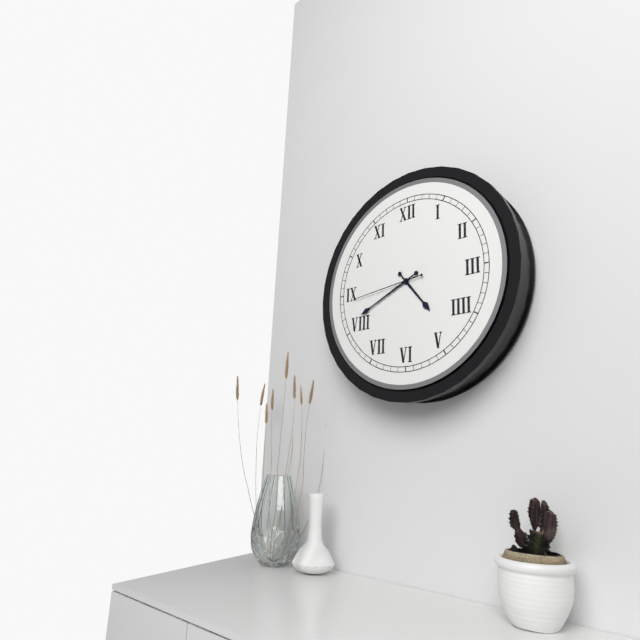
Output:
4:41:44
